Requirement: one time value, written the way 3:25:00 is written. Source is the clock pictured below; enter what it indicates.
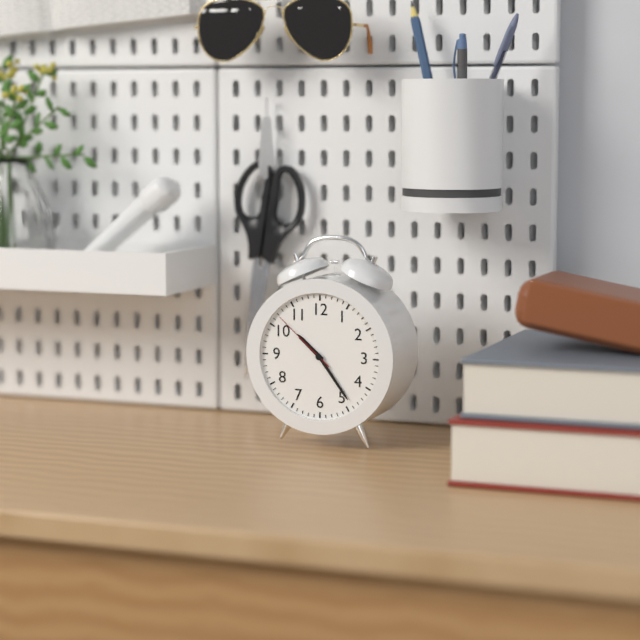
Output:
10:24:52
